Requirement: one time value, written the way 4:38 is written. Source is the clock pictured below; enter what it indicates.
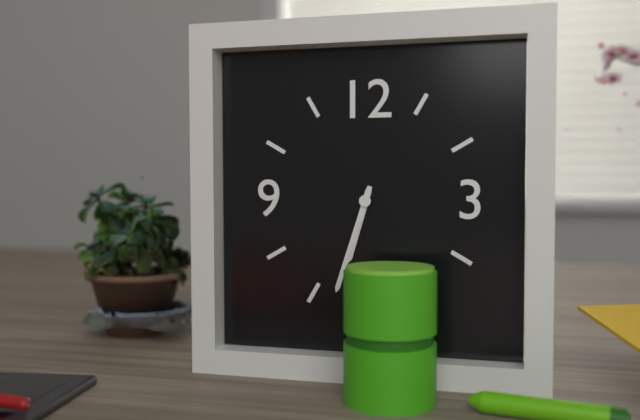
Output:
6:33
